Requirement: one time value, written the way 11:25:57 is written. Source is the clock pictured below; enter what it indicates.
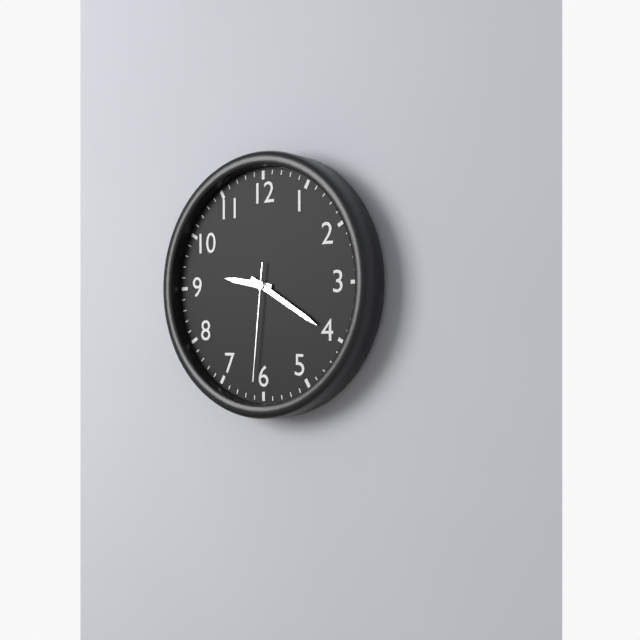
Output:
9:20:31
